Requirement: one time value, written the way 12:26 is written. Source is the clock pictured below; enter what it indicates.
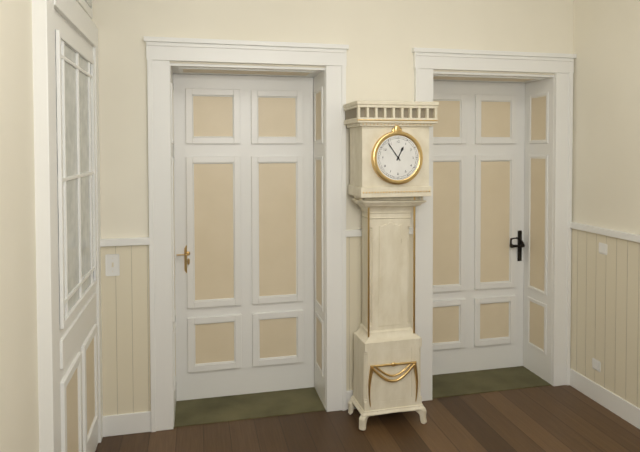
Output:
12:54
